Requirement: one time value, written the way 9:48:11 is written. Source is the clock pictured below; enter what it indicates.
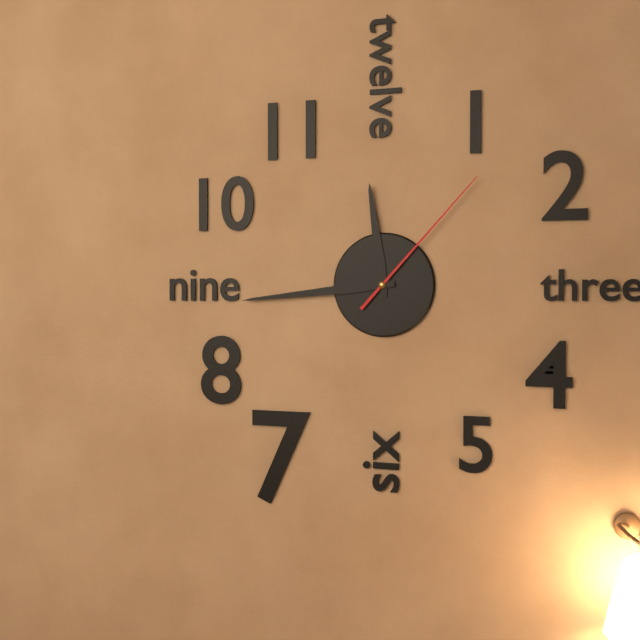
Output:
11:44:07
